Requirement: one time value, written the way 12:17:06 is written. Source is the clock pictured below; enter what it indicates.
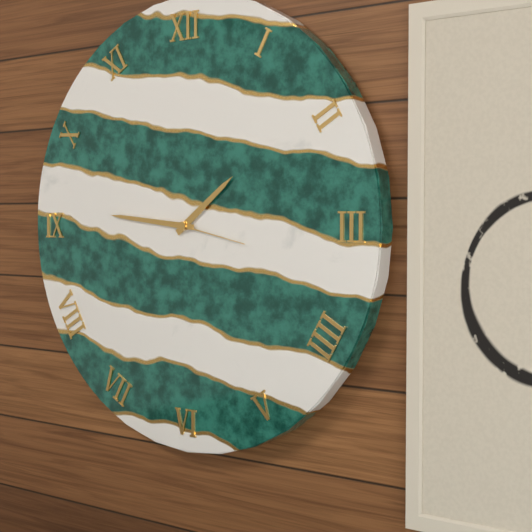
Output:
1:46:17
